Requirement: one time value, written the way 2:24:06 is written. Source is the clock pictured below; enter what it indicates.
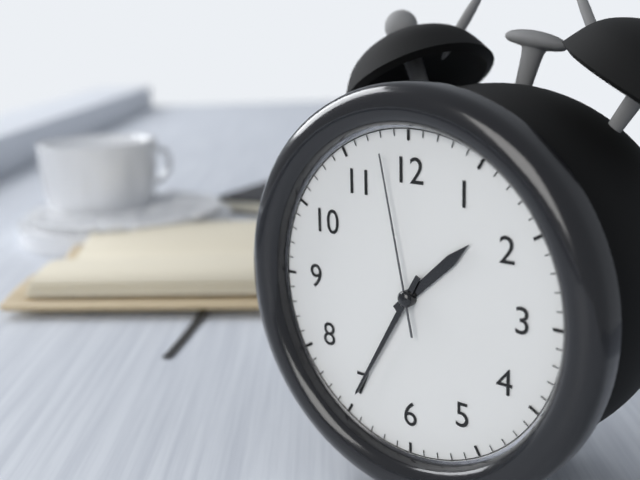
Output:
1:35:58
